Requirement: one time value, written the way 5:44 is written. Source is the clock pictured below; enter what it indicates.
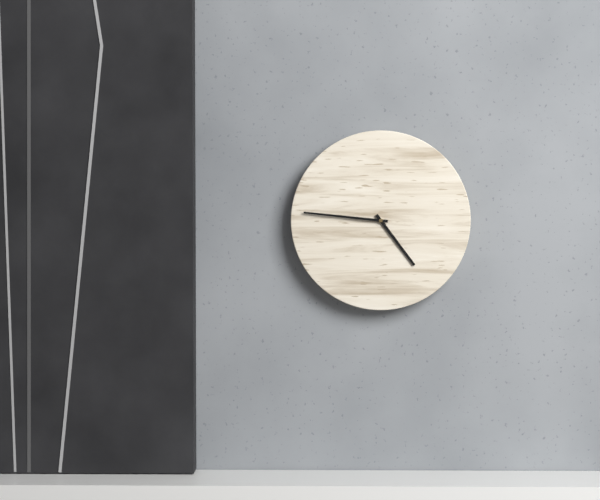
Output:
4:46
